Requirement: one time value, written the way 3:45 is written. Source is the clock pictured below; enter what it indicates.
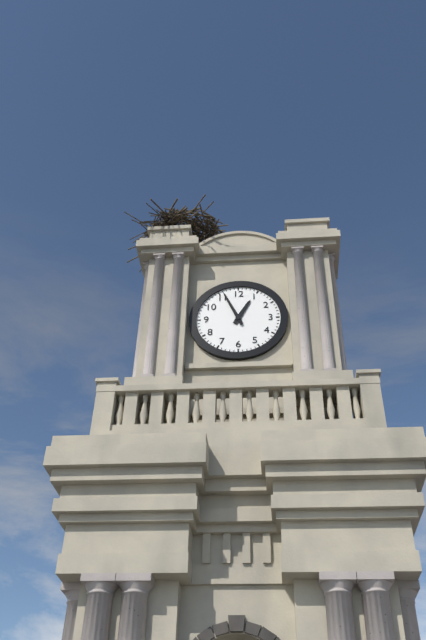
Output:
12:56
